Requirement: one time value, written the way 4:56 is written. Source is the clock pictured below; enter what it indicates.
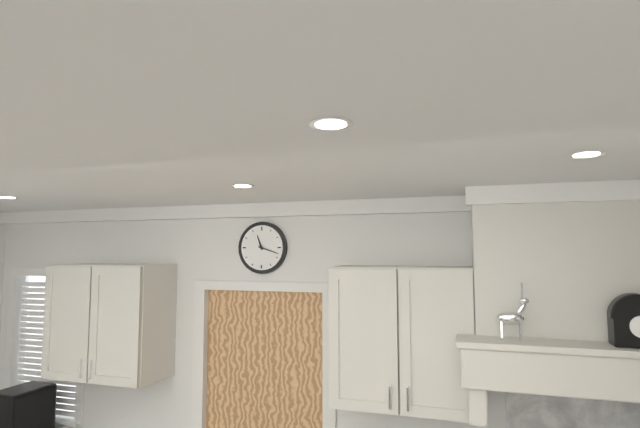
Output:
11:18
